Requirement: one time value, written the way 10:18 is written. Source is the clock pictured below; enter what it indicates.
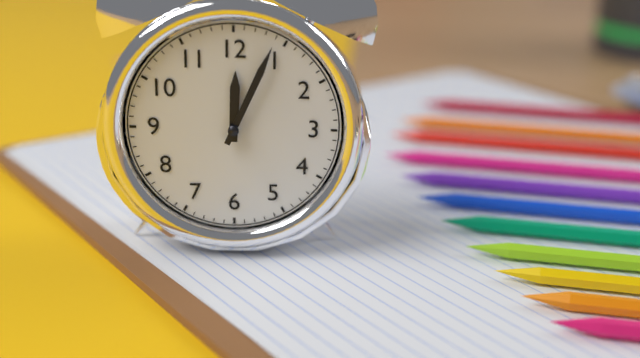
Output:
12:04
